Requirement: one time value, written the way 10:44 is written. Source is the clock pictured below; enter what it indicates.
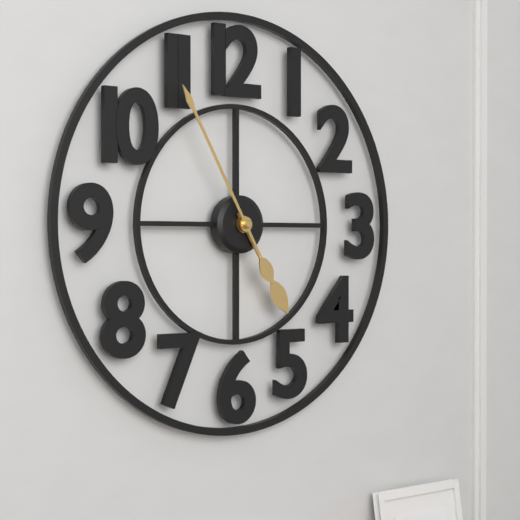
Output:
4:55
